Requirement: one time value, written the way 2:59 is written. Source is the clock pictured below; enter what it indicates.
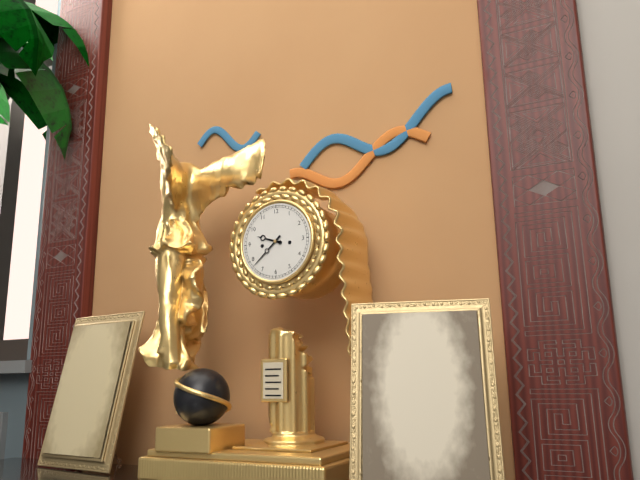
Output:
9:38
